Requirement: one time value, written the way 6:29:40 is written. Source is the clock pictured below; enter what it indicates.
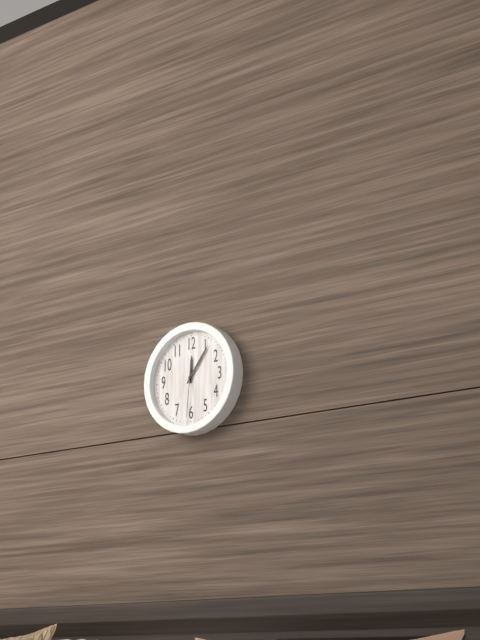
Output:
12:06:31
